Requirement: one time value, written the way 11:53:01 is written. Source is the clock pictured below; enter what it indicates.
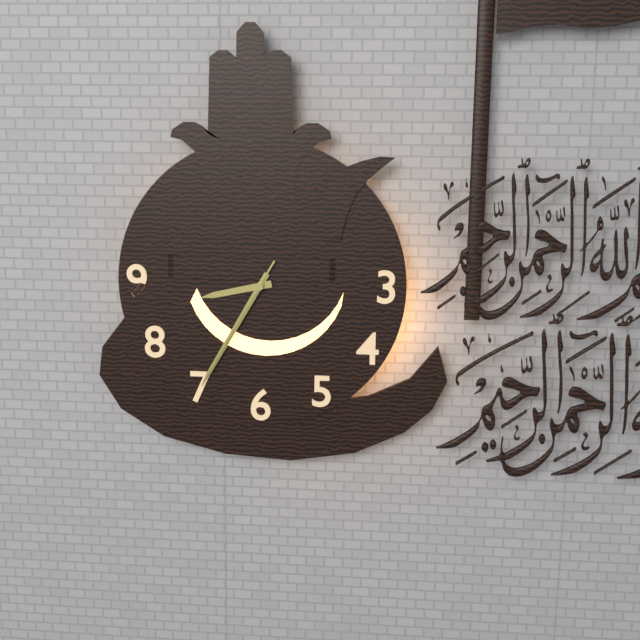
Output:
8:35:35
